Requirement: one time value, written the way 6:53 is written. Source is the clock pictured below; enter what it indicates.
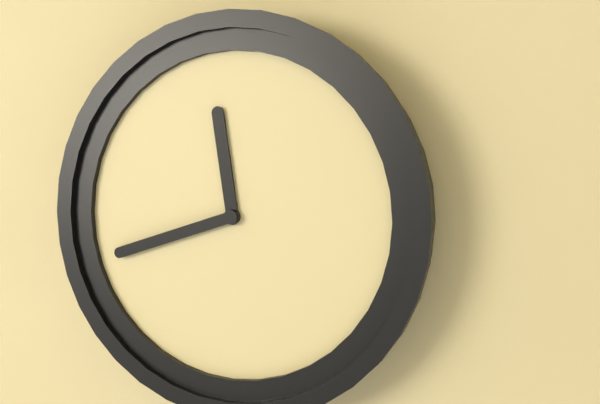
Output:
11:42
